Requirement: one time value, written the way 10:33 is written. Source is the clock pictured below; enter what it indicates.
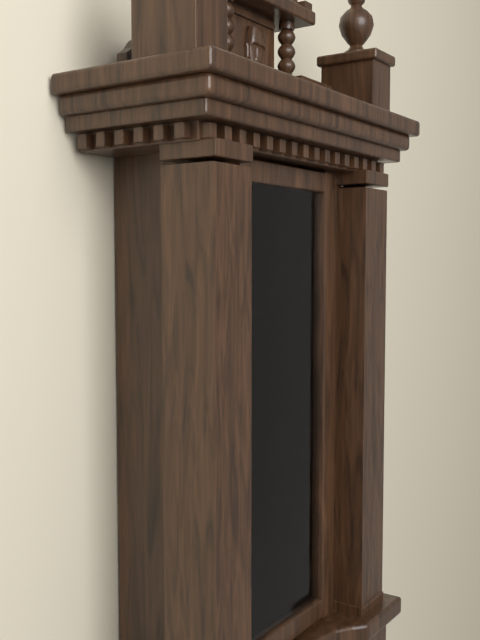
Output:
2:17
